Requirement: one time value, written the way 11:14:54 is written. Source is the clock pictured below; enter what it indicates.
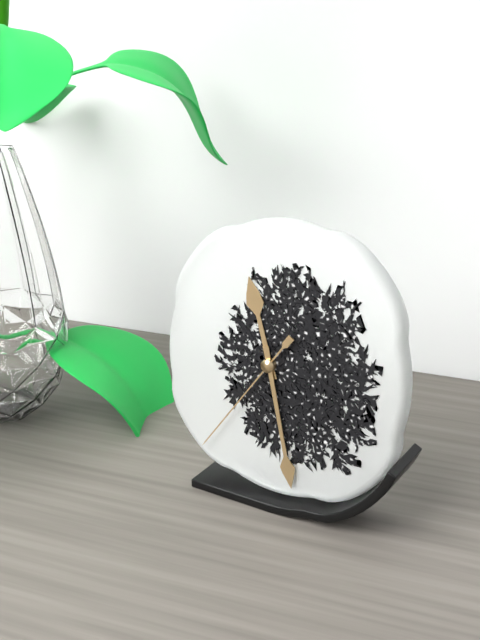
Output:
11:28:36
